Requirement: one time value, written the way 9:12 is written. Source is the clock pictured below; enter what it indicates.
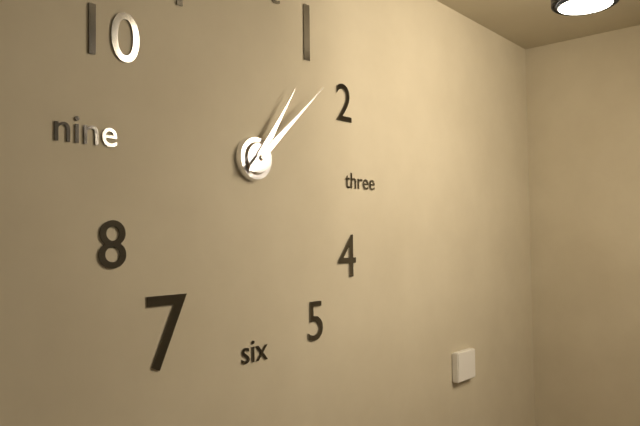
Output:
1:08
